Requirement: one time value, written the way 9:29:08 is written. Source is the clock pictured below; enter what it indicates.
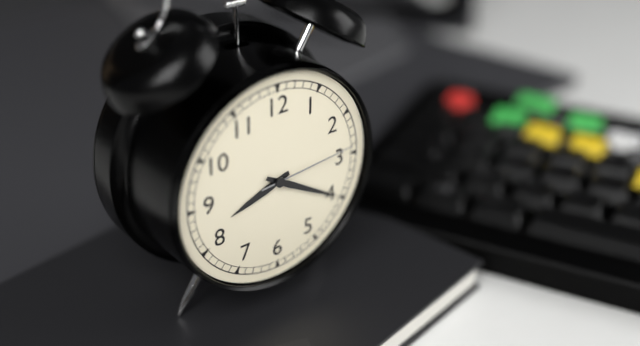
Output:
8:20:14
